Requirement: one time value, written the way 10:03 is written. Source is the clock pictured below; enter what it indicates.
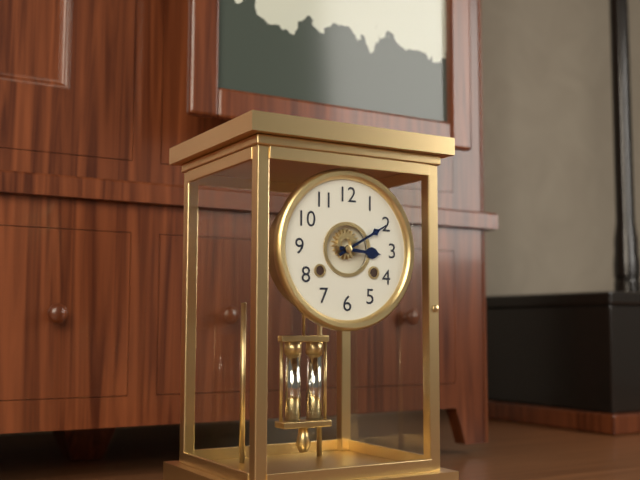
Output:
3:10
